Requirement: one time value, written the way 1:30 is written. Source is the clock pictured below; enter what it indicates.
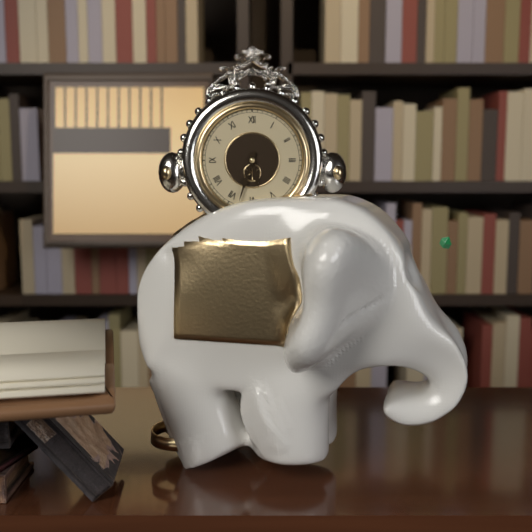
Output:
5:33
